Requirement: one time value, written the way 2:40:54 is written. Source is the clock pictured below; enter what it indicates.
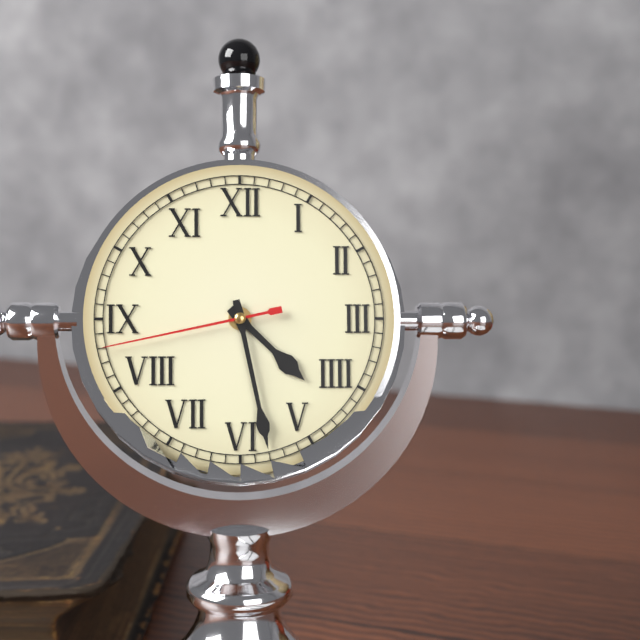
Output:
4:28:43
